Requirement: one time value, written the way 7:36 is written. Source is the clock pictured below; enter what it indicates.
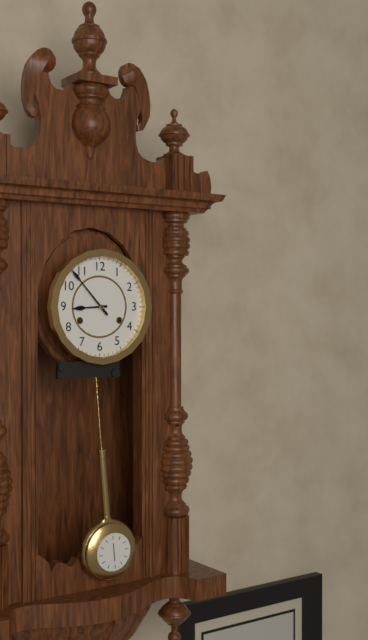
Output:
8:53
